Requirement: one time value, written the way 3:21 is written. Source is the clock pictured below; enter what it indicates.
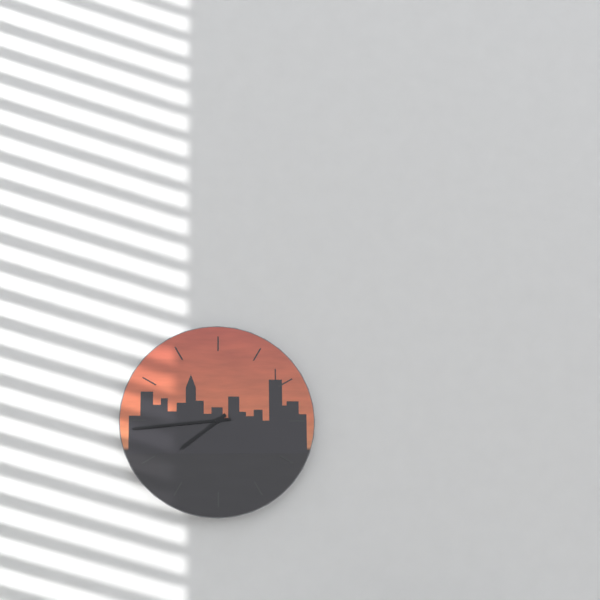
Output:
7:44
